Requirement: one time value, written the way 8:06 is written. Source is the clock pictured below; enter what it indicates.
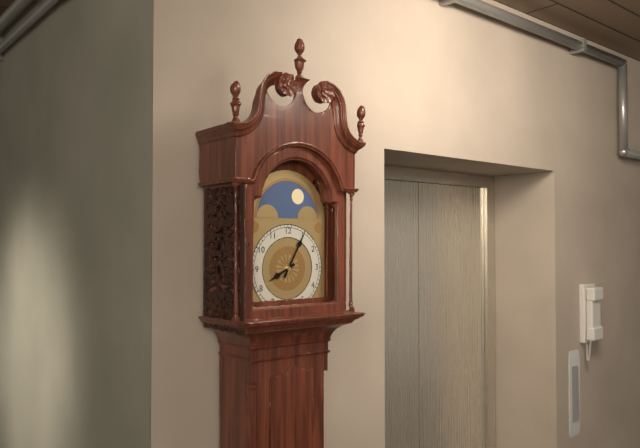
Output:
8:05
